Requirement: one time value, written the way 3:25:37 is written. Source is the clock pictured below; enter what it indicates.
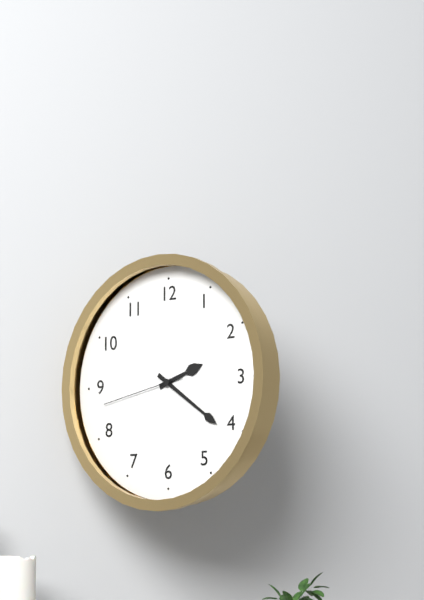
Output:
2:21:43
